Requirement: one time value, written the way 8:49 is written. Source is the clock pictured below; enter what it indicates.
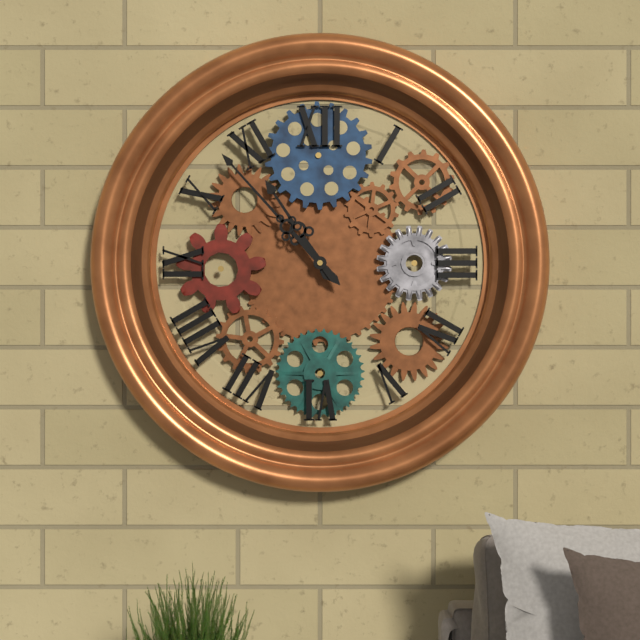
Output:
10:53
